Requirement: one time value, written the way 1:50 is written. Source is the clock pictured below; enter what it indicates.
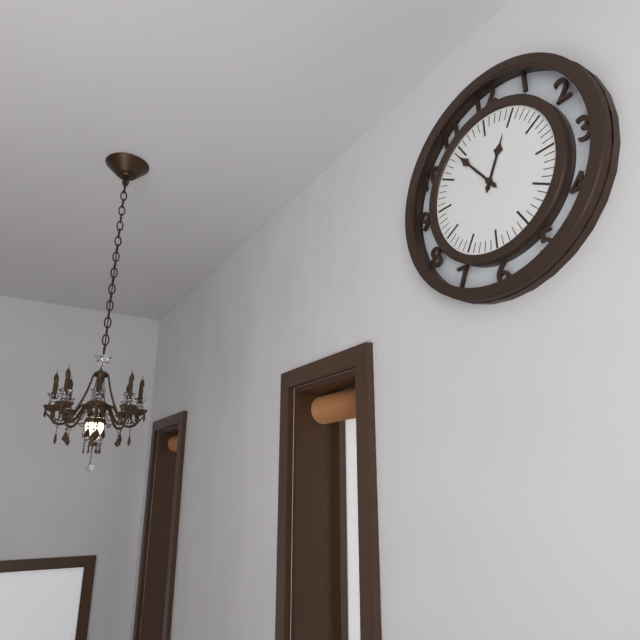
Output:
12:54
